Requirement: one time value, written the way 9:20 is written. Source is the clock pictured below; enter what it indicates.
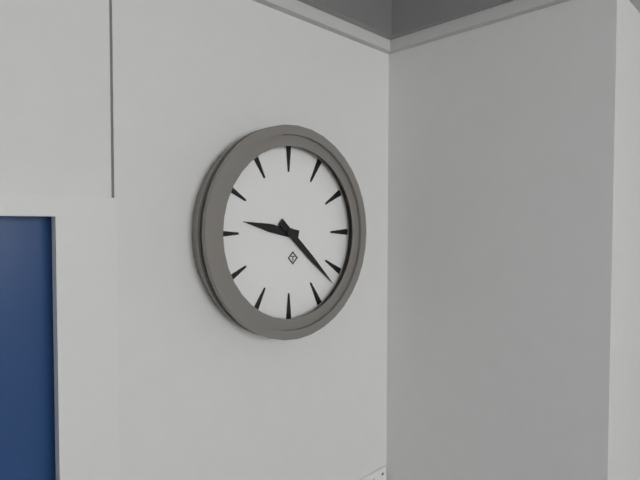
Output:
9:22
